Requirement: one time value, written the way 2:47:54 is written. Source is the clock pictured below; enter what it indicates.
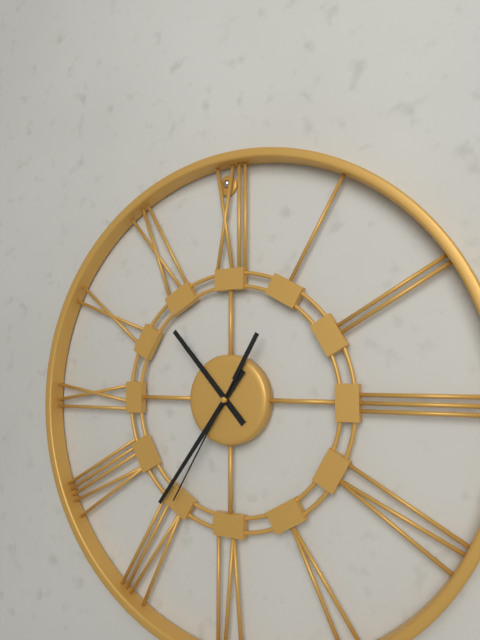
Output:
10:36:35
